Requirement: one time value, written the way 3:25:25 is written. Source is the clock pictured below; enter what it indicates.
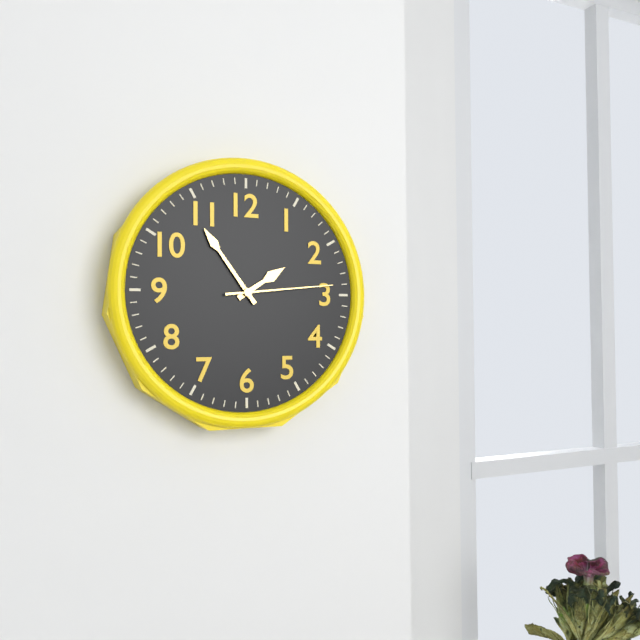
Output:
1:54:14
